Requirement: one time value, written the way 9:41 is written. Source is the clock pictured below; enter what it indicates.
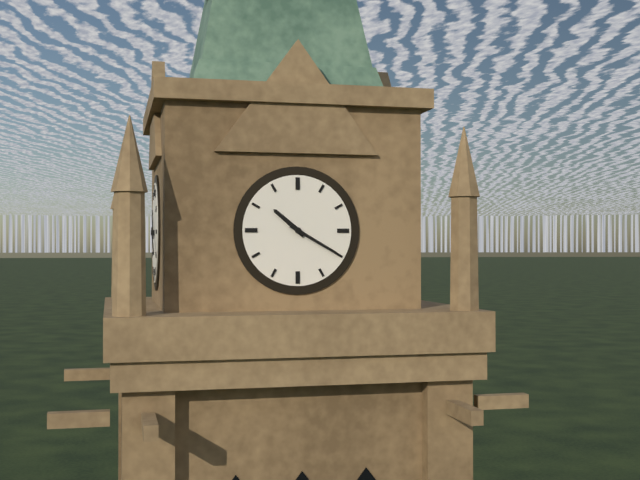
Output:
10:20
